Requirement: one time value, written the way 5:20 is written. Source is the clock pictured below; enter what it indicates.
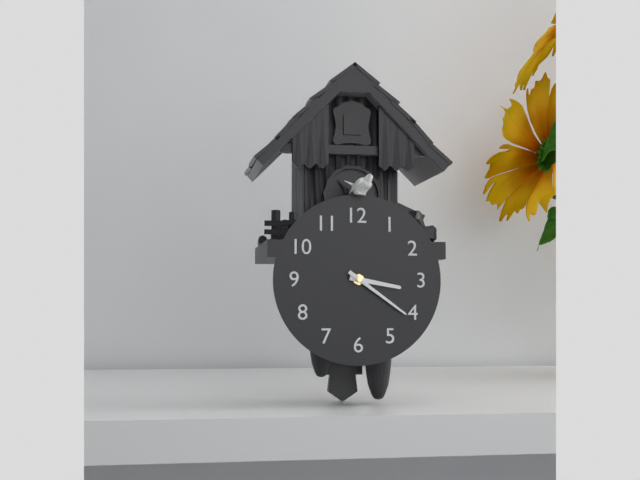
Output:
3:21
